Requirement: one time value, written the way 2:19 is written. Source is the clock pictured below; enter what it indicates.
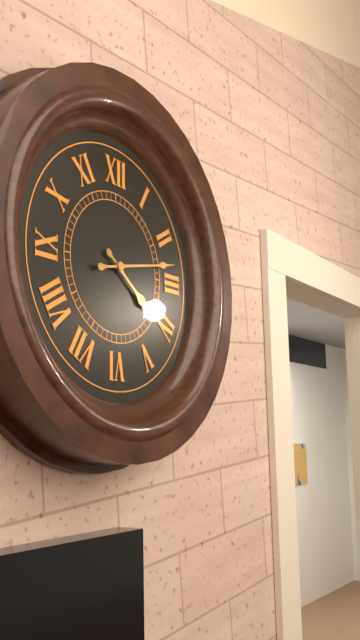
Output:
4:13
